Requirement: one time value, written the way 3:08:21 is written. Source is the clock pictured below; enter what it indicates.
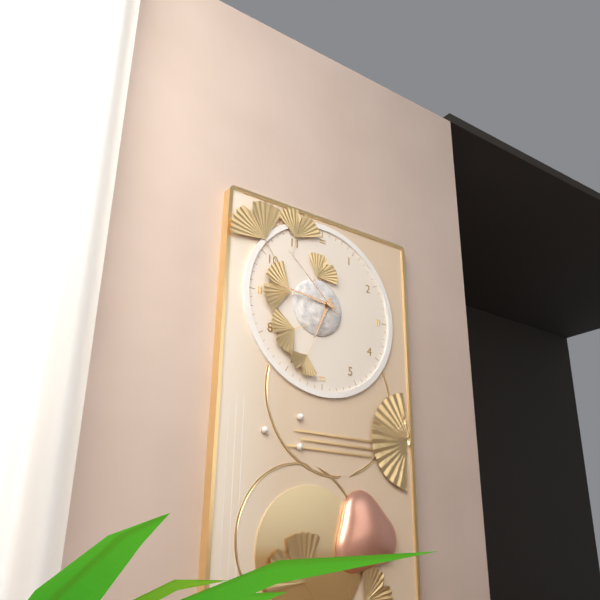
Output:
6:46:52
